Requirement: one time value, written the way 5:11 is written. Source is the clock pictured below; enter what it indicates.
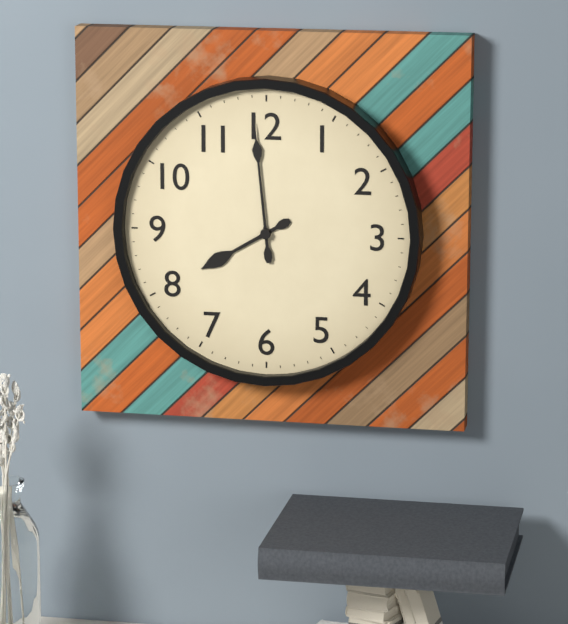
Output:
7:59
